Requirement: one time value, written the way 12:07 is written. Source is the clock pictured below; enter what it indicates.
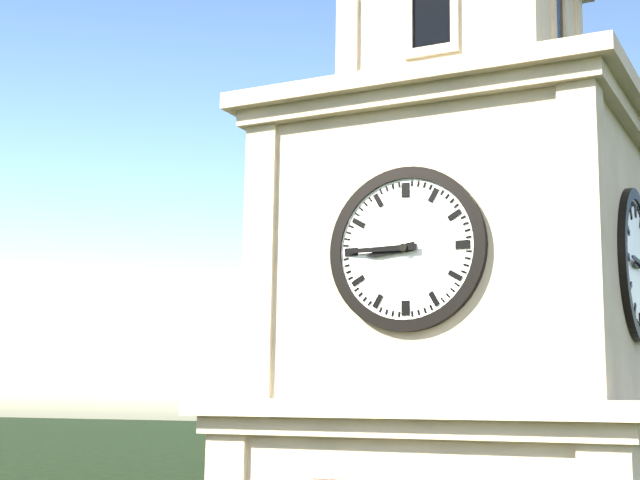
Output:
8:45
